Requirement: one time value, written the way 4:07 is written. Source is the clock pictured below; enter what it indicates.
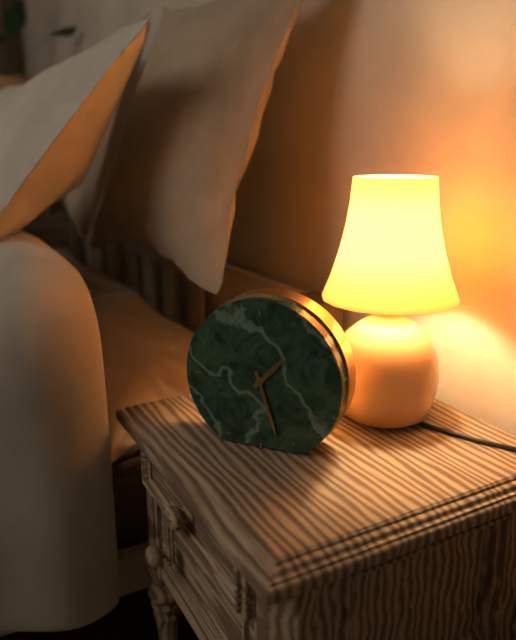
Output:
1:27
